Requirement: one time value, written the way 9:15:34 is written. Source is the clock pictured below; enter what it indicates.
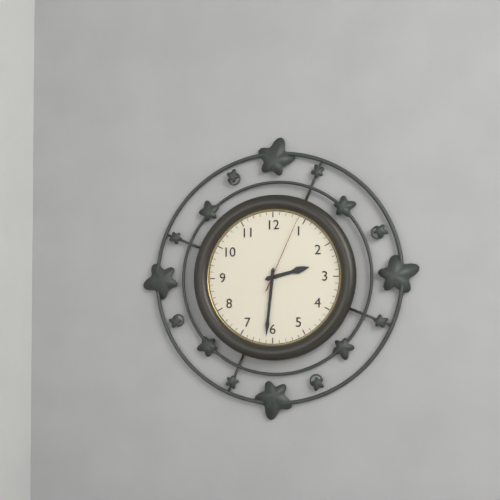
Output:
2:31:04
